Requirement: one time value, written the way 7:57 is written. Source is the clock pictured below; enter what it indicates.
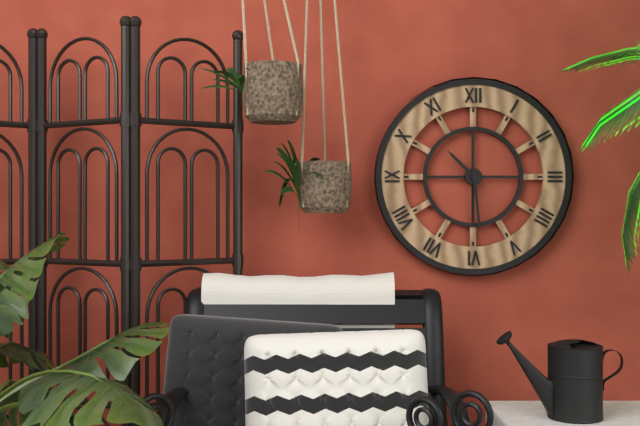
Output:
10:29
